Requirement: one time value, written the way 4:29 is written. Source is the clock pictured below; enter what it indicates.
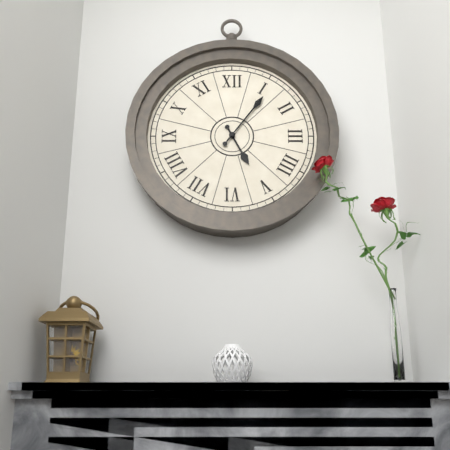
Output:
5:06
